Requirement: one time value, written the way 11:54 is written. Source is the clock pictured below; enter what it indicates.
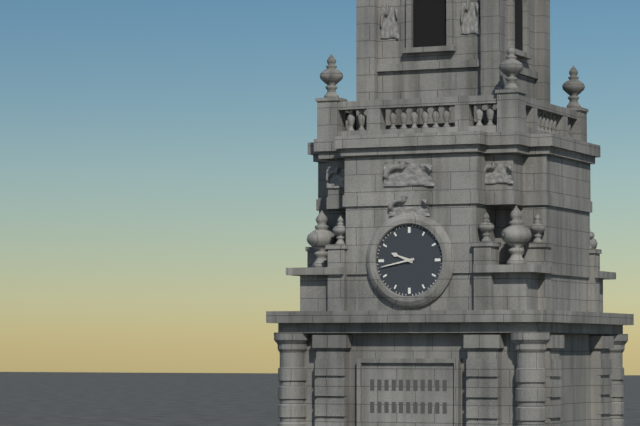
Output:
9:43
